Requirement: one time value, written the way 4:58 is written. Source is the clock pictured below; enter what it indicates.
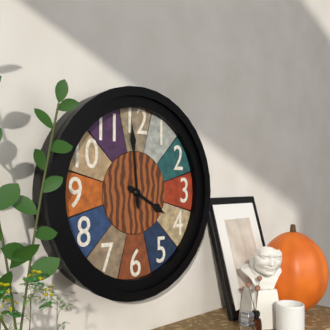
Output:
3:59
